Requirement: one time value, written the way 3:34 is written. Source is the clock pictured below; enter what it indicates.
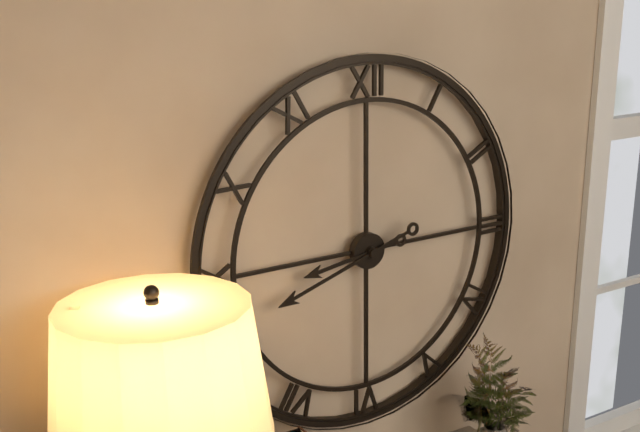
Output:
8:42
